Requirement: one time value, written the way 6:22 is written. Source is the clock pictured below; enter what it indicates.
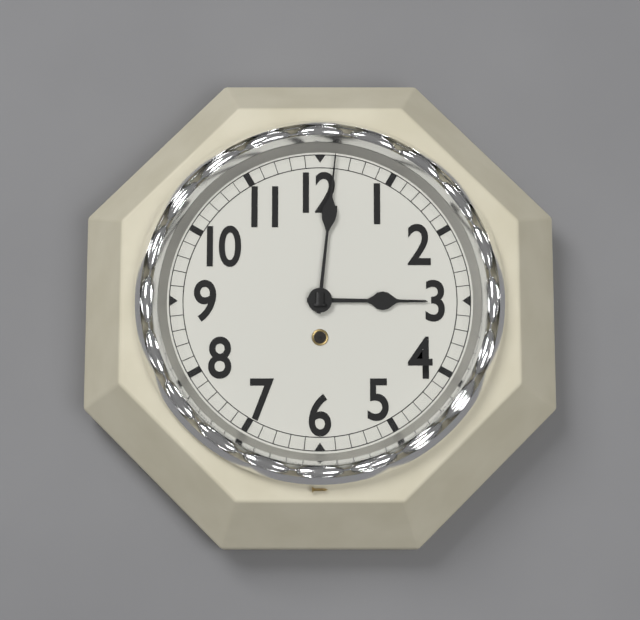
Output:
3:01
